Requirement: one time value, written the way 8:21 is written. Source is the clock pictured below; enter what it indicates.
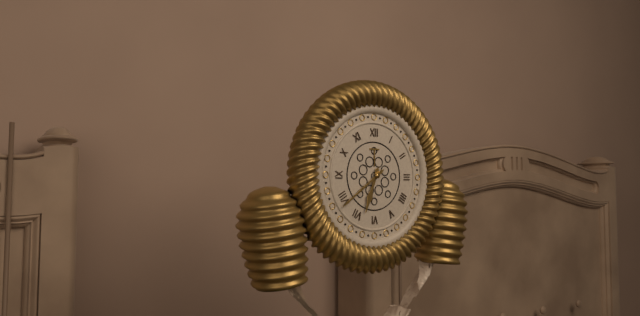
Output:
6:39
